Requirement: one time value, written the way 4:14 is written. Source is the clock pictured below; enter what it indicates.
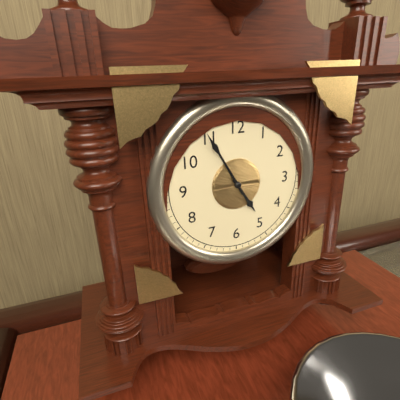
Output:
4:55
